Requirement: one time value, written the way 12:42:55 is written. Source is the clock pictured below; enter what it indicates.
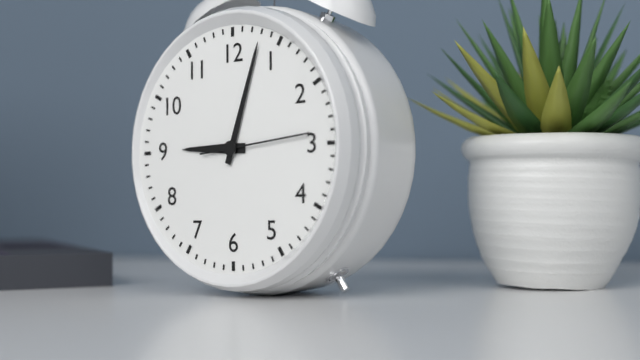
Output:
9:03:14
